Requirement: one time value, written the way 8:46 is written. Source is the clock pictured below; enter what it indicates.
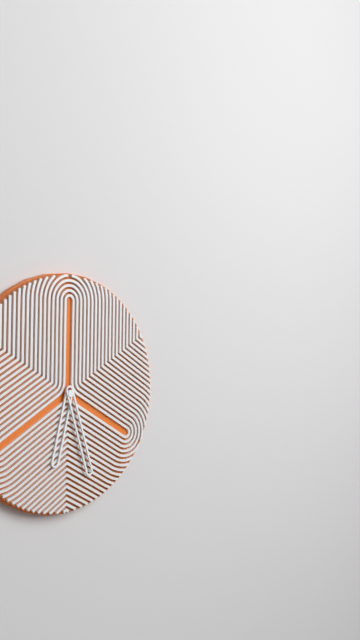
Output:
6:27
